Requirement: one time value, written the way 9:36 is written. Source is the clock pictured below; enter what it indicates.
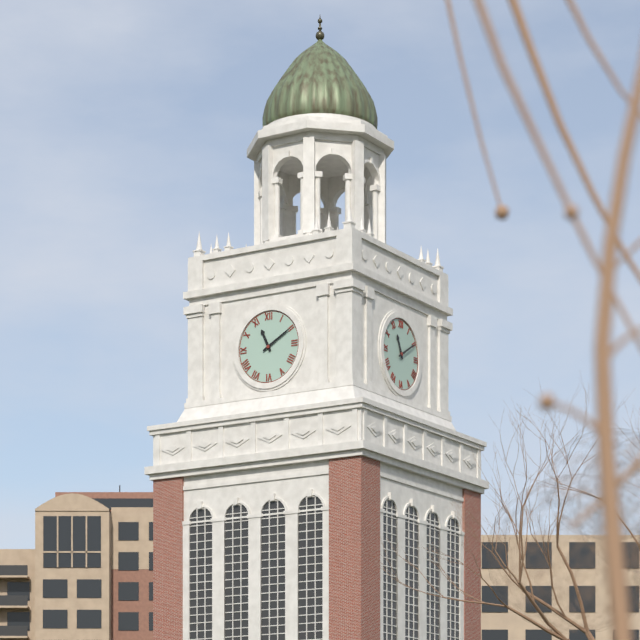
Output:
11:10
